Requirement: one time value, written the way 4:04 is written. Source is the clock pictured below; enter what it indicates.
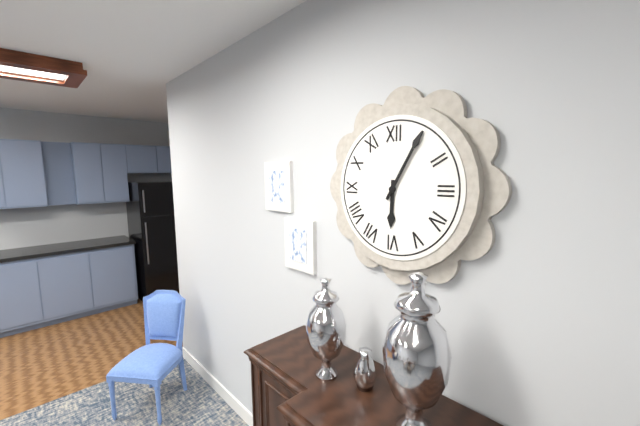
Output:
6:05
